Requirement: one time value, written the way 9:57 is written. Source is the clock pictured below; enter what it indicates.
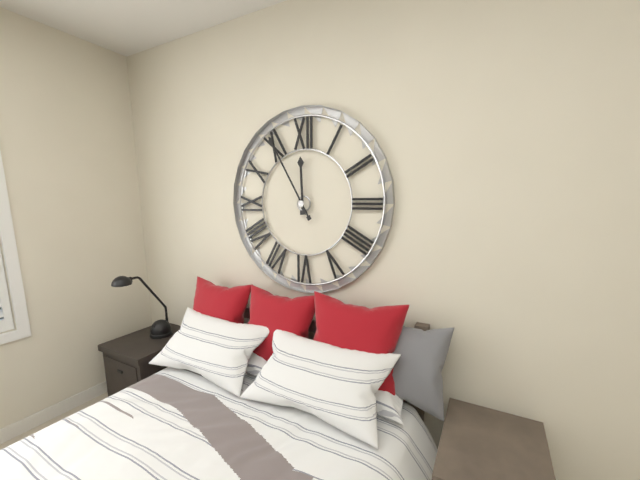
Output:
11:55
